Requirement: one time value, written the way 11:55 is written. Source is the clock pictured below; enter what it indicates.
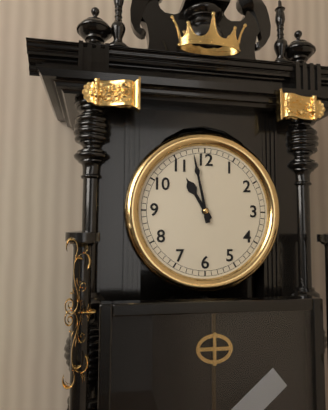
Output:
10:58
